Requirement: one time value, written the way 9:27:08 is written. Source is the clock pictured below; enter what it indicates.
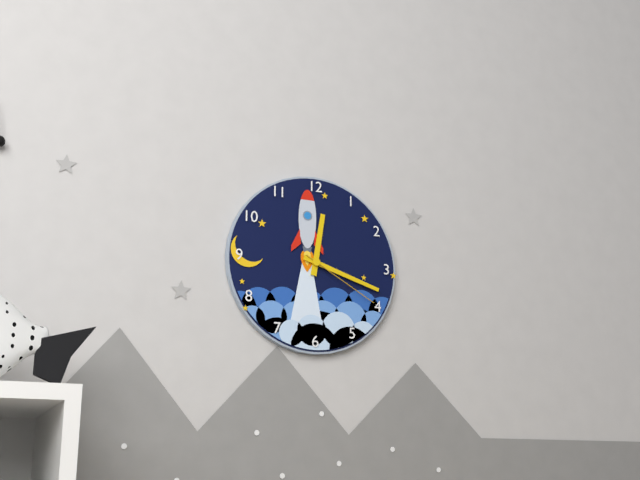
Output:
12:18:20
